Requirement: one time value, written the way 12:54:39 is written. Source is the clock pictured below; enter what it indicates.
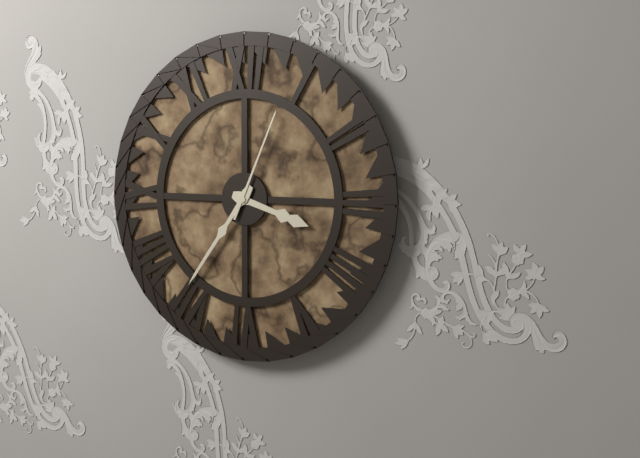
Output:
3:36:04
